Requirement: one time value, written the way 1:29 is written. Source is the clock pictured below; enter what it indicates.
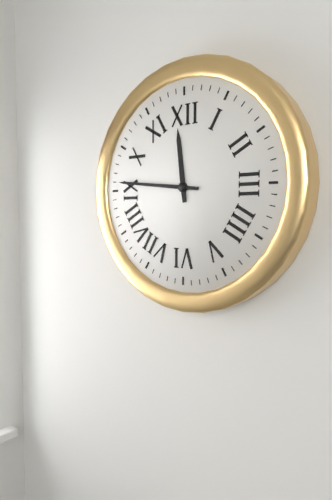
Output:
11:46
